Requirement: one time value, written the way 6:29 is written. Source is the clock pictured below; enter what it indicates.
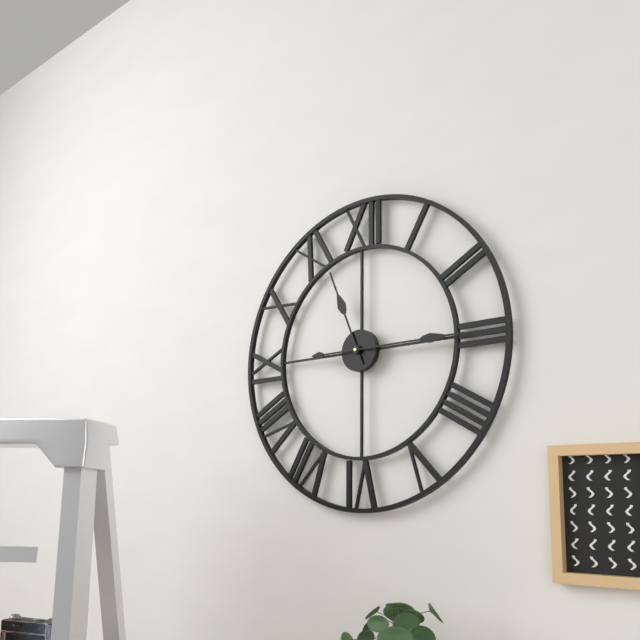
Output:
11:15
